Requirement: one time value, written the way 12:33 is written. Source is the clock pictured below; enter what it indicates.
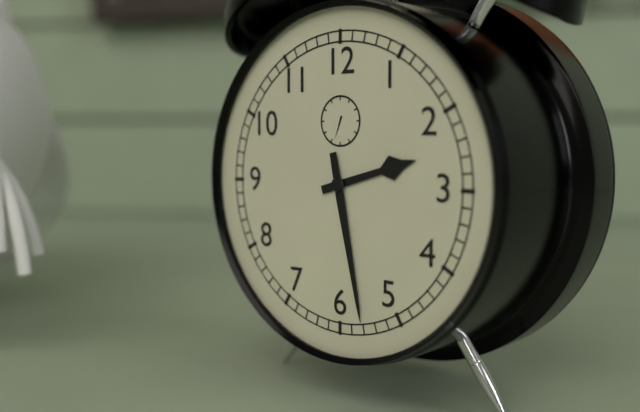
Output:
2:28
